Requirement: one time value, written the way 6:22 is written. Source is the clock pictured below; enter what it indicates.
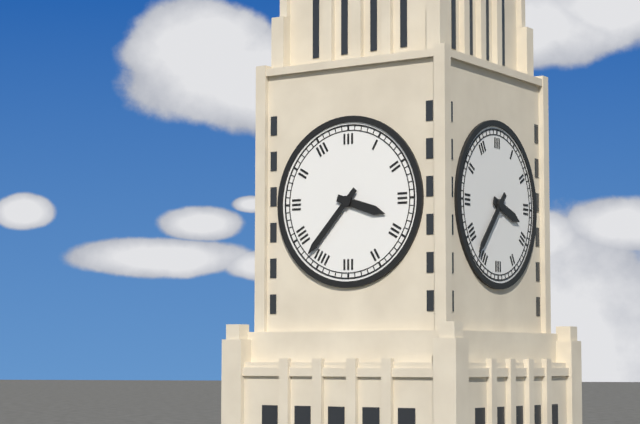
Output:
3:37
